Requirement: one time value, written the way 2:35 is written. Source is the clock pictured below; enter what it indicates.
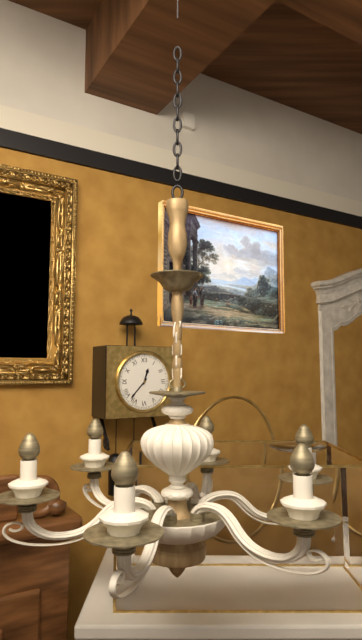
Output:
12:37
